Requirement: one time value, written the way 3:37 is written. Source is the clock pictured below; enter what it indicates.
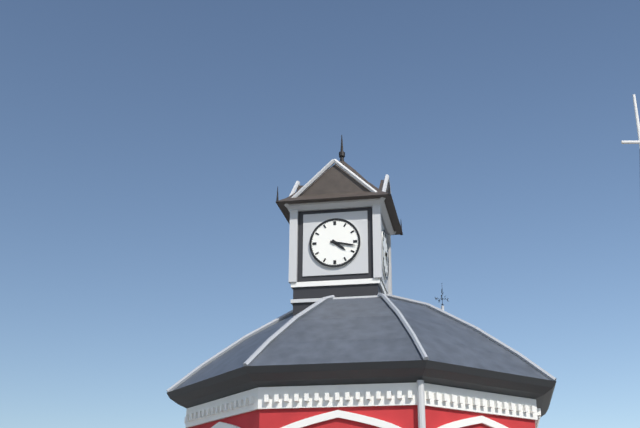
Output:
4:17
